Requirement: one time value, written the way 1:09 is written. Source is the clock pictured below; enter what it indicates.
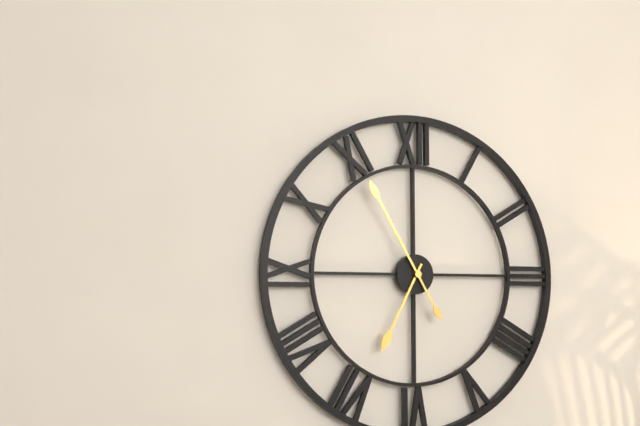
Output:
6:55
